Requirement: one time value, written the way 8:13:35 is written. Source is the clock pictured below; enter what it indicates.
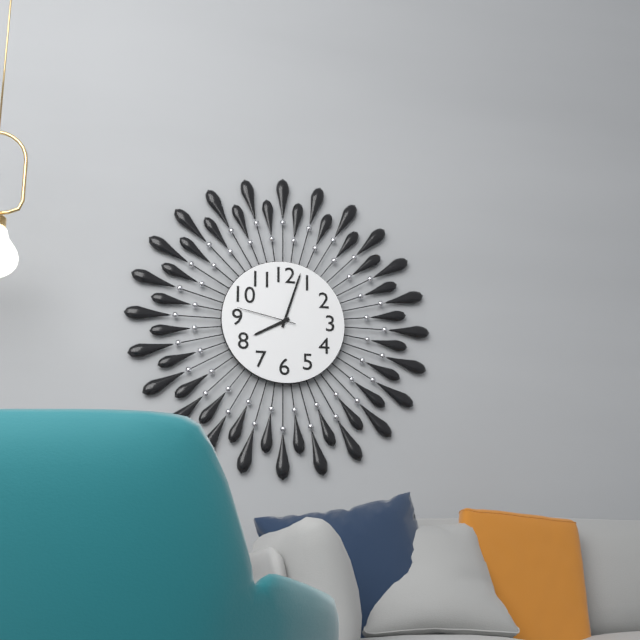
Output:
8:03:47
